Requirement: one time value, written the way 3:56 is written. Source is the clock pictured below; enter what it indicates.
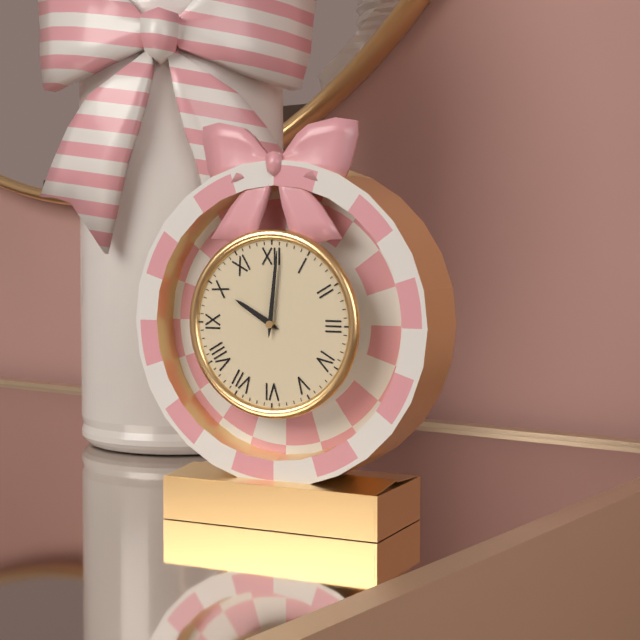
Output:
10:01
